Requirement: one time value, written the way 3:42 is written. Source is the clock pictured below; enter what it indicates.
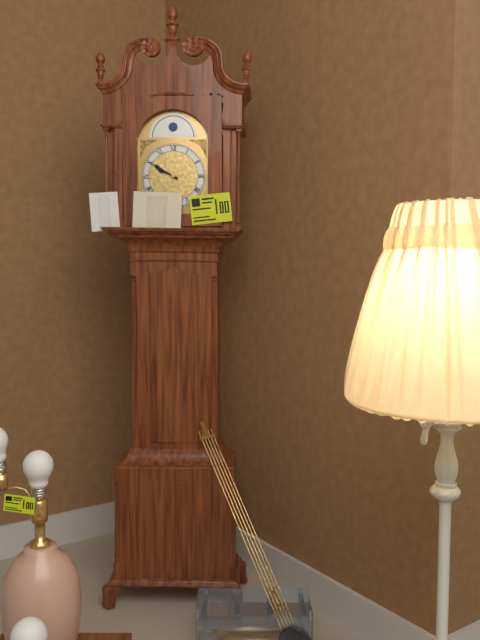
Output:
9:50
